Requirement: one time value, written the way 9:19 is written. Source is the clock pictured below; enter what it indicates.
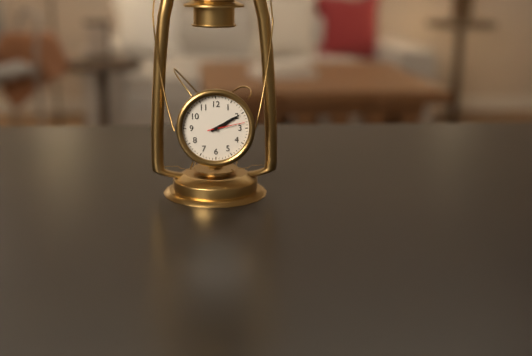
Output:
2:10
